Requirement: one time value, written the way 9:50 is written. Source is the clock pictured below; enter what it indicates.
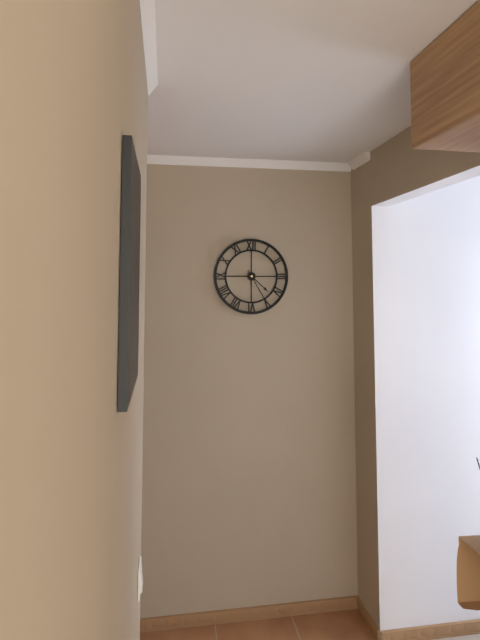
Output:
4:25
